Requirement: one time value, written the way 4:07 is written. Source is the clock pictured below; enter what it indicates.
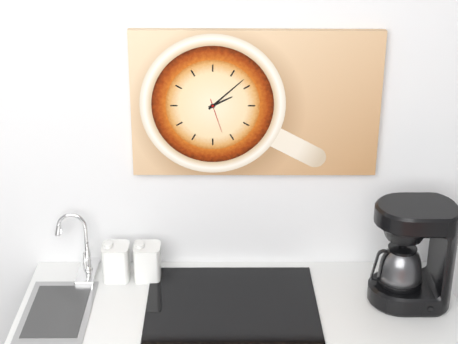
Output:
2:08
